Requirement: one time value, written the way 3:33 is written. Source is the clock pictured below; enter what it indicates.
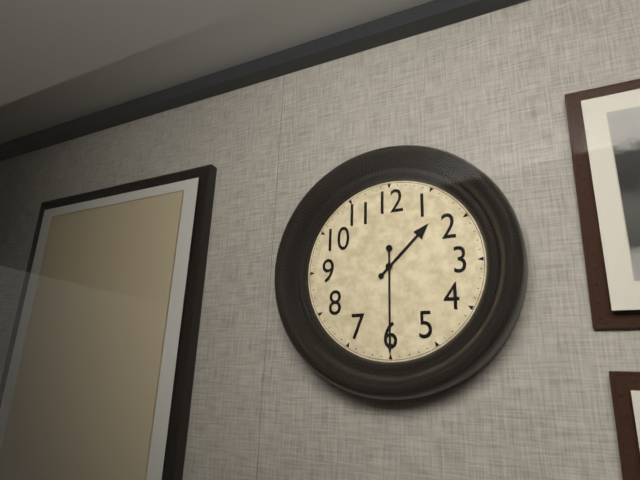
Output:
1:30
